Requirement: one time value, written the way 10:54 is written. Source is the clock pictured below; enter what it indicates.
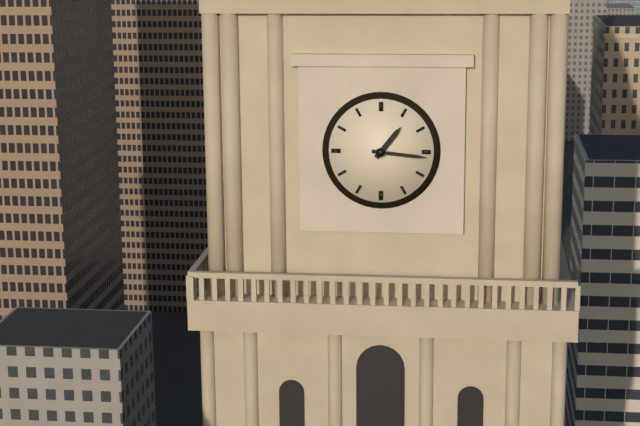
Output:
1:16
